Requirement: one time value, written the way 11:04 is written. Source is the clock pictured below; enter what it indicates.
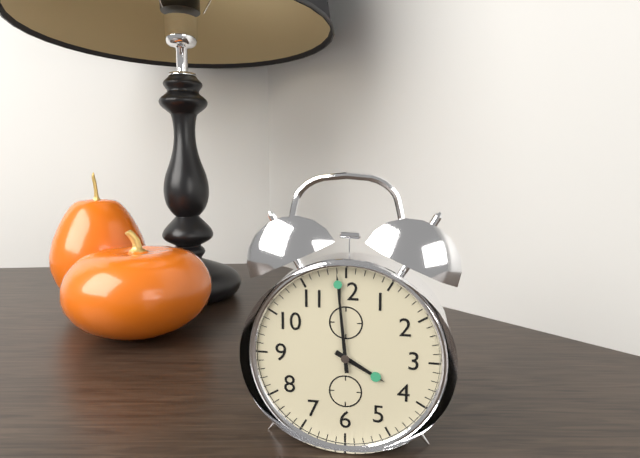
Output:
3:59
